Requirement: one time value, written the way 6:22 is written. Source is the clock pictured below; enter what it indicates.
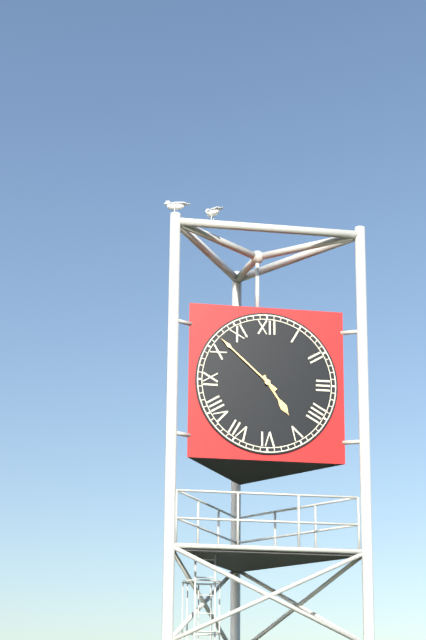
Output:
4:52
